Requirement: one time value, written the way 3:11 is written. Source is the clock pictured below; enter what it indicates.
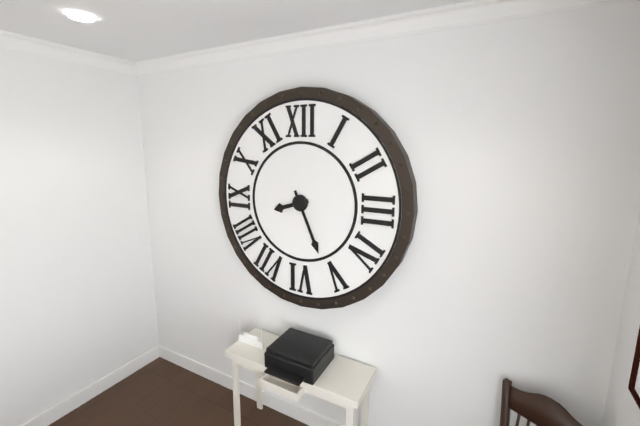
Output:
8:26
